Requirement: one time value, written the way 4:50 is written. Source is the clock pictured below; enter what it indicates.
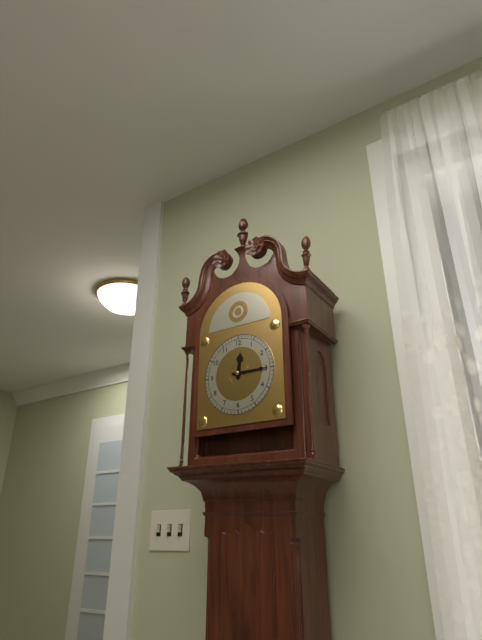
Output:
12:15
